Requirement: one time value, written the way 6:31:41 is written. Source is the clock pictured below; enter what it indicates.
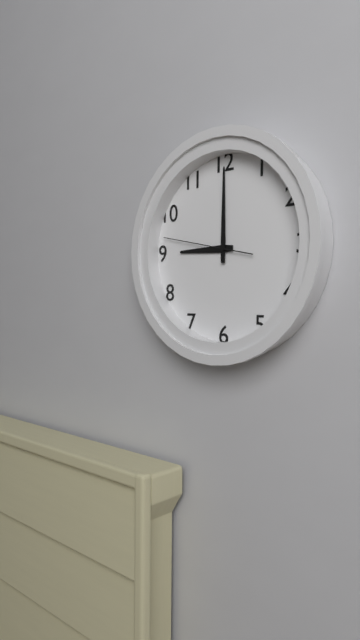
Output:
9:00:47
